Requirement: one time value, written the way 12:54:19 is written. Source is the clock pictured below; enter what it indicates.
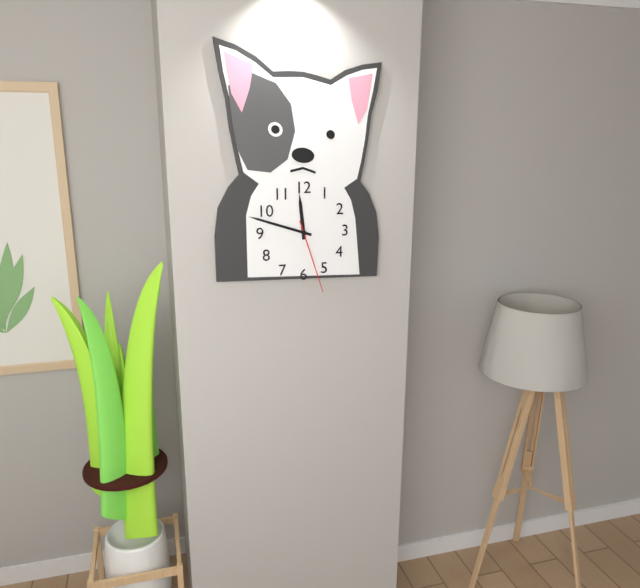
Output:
11:48:27
